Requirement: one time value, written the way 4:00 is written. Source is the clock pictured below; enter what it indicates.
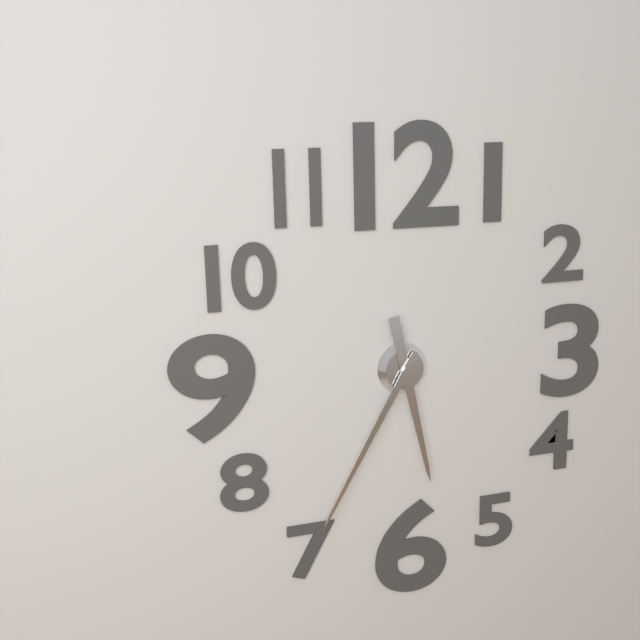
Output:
5:35
